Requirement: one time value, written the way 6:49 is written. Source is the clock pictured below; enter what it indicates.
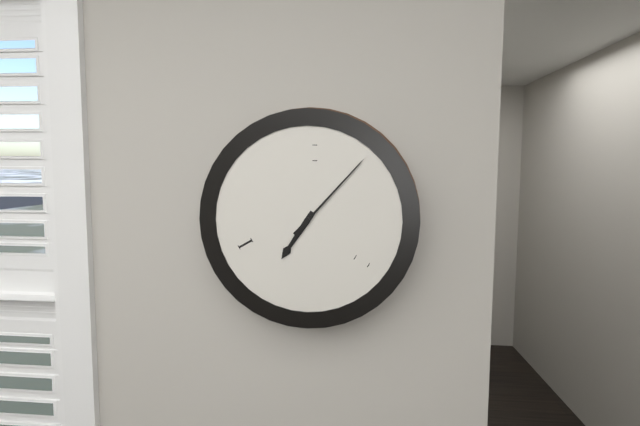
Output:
7:07
